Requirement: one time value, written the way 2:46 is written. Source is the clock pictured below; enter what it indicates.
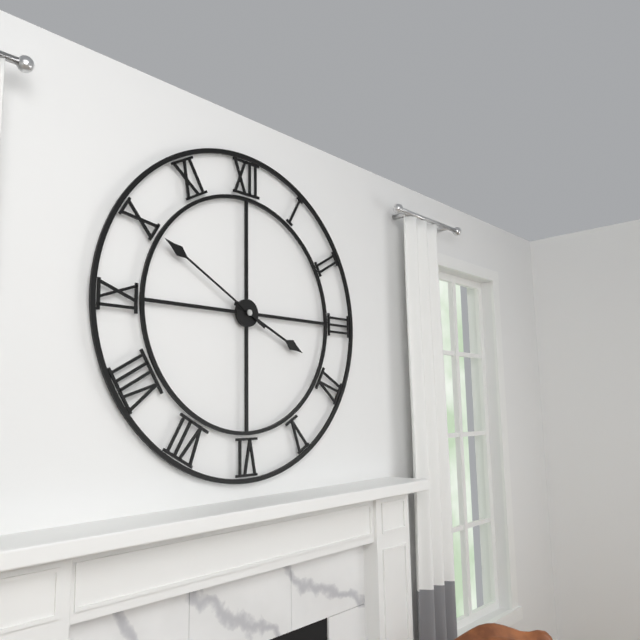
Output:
3:50
